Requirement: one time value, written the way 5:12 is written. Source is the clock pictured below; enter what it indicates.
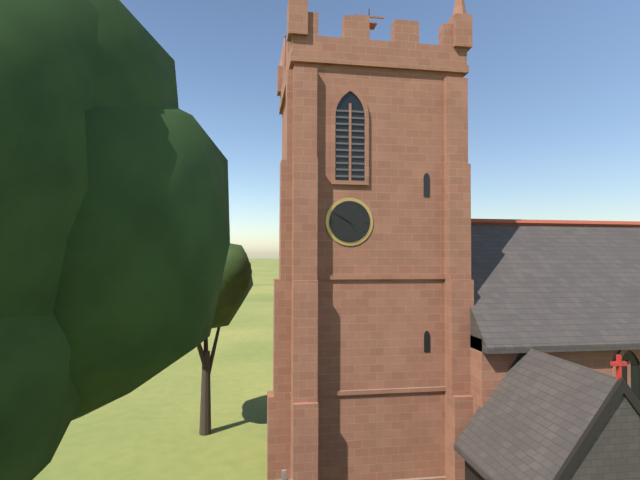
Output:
4:50
